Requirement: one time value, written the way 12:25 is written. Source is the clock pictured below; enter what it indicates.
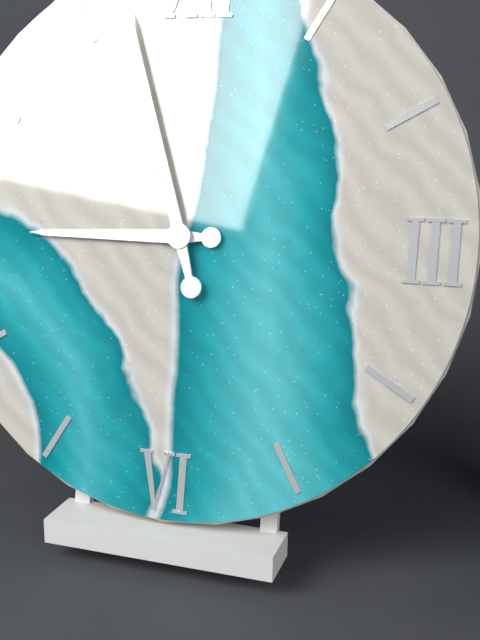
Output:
8:57
